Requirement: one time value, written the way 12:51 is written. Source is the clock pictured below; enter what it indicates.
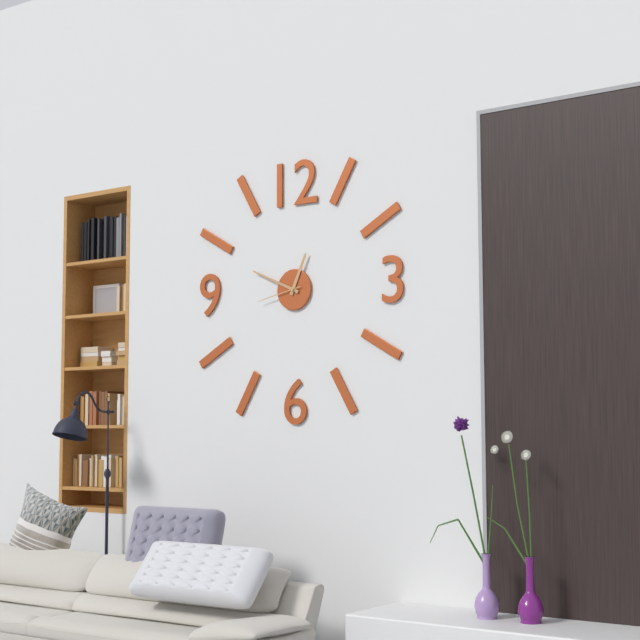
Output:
12:49
